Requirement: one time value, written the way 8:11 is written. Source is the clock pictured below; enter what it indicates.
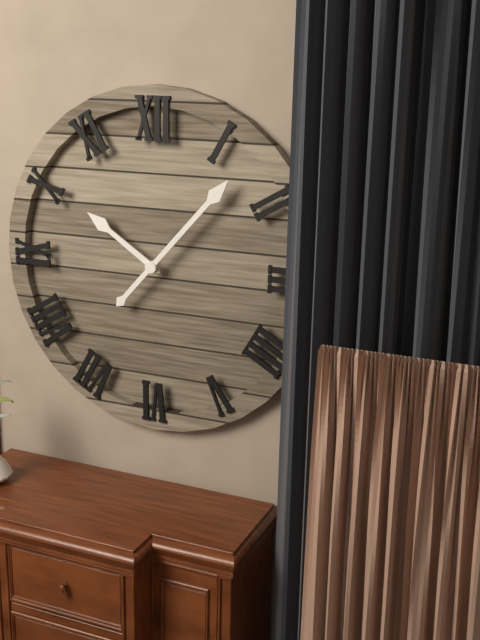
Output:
10:07
